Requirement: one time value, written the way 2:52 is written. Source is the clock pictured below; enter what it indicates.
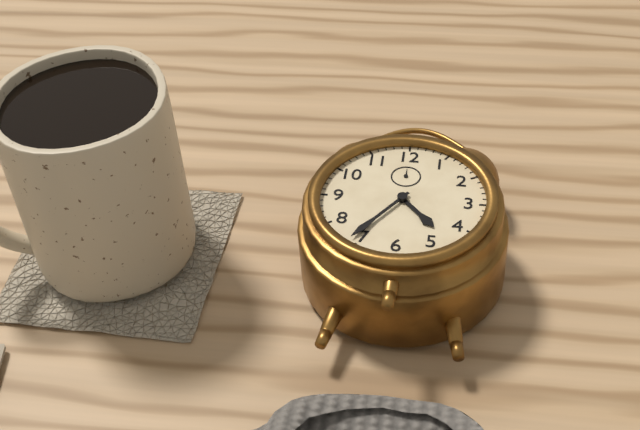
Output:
4:36
